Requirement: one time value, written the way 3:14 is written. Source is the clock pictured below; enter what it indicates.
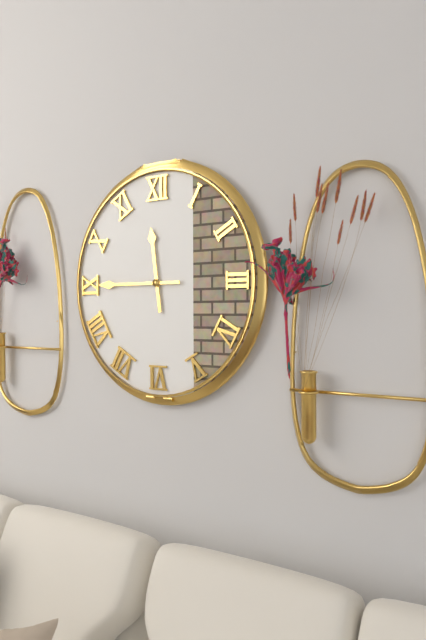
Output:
11:45
